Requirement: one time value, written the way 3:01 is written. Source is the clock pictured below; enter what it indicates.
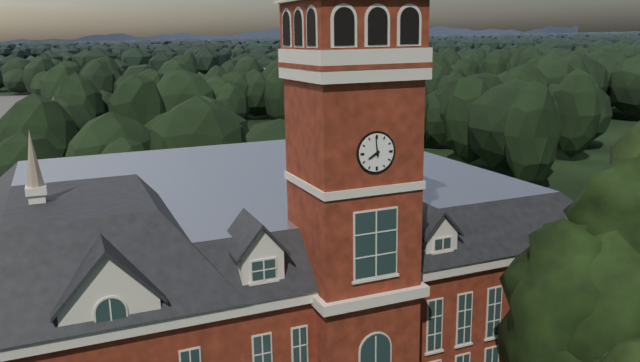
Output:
7:59
